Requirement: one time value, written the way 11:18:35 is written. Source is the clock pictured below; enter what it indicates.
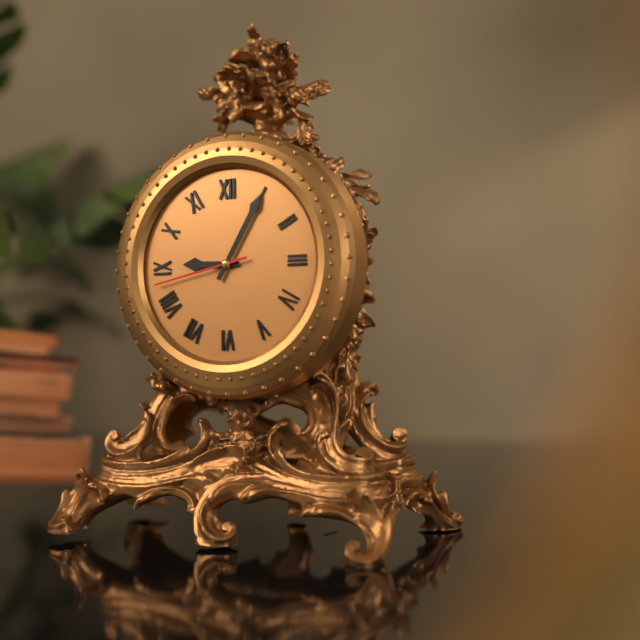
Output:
9:05:43
